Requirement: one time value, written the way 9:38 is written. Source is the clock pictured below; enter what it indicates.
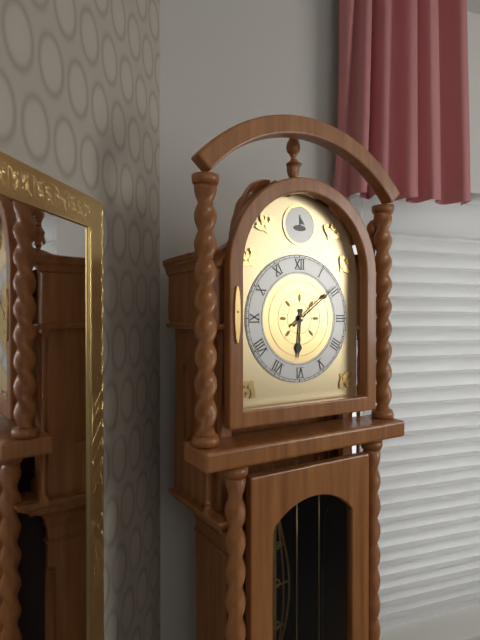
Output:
6:09
